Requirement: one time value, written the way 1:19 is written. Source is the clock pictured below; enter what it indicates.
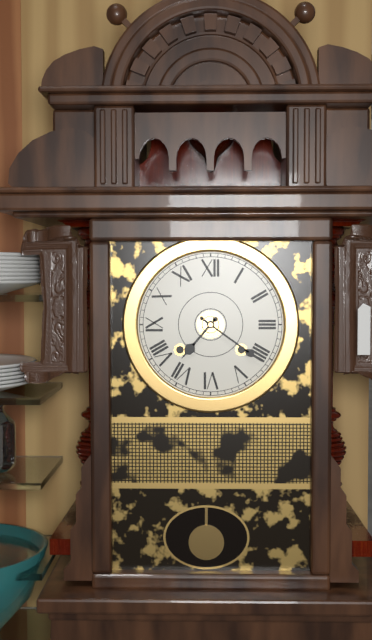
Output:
7:21
